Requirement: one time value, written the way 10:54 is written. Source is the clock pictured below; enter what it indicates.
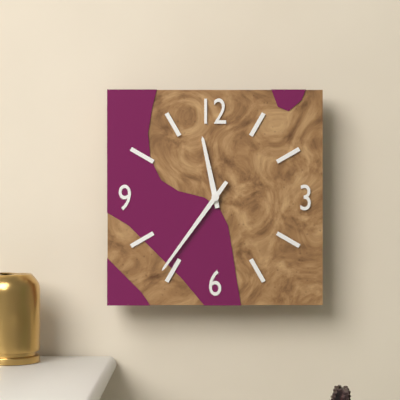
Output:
11:36
